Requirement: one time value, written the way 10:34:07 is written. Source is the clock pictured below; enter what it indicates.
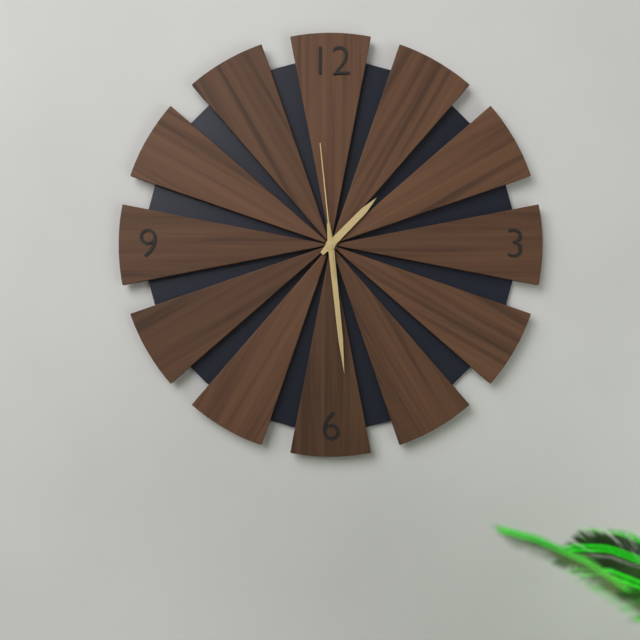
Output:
1:29:59
